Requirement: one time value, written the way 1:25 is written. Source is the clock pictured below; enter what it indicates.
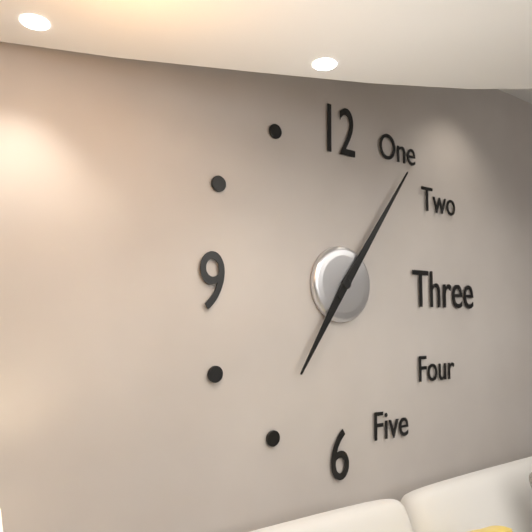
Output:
7:06
